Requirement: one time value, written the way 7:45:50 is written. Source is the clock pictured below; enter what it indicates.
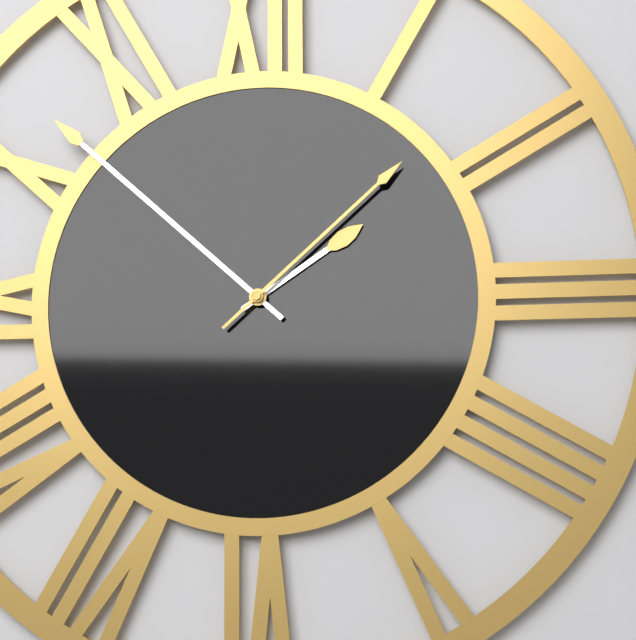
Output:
1:52:08
